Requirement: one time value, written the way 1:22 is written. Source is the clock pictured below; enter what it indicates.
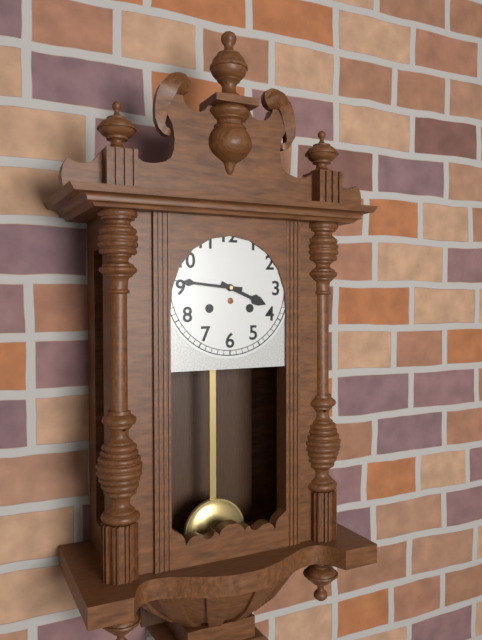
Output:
3:46
